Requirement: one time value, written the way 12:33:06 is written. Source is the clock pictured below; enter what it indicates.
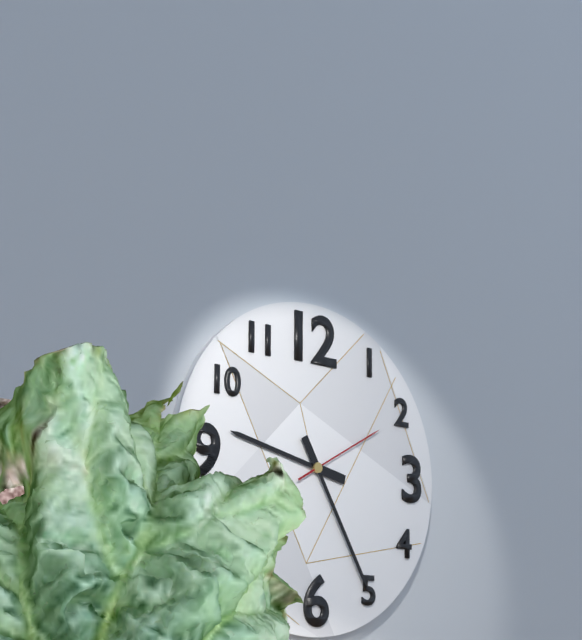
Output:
9:25:10
